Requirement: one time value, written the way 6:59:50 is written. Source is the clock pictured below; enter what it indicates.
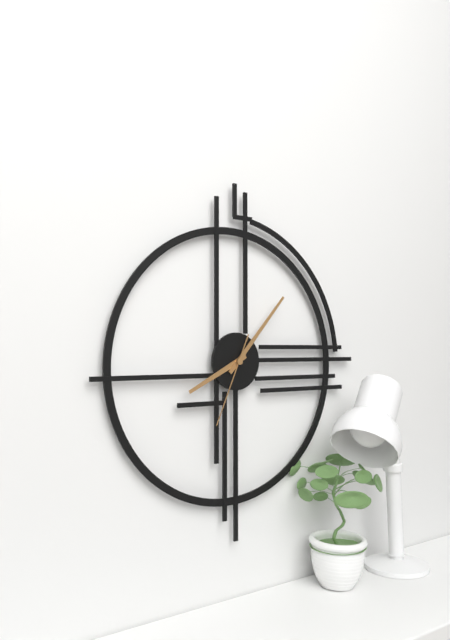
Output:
8:07:34
